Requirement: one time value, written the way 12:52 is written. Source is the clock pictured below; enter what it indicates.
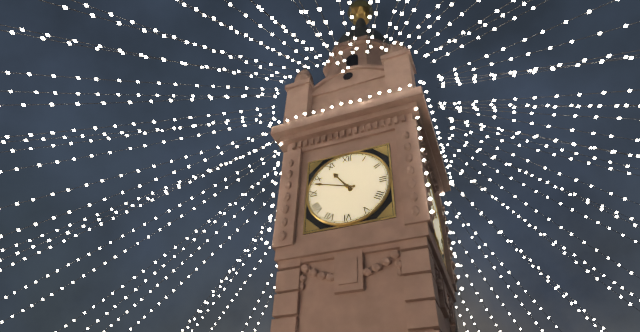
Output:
10:48
